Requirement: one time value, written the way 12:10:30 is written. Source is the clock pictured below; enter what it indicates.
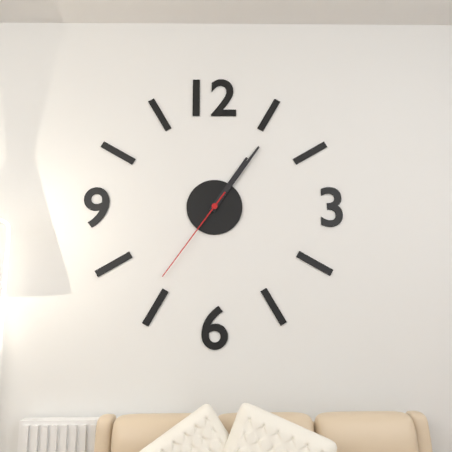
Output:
1:06:36
